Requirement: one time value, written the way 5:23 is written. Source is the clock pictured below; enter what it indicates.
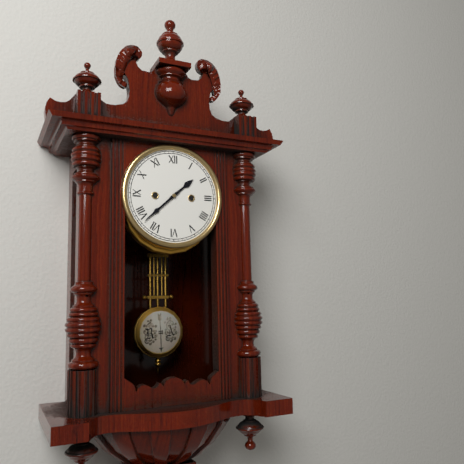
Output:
1:38
